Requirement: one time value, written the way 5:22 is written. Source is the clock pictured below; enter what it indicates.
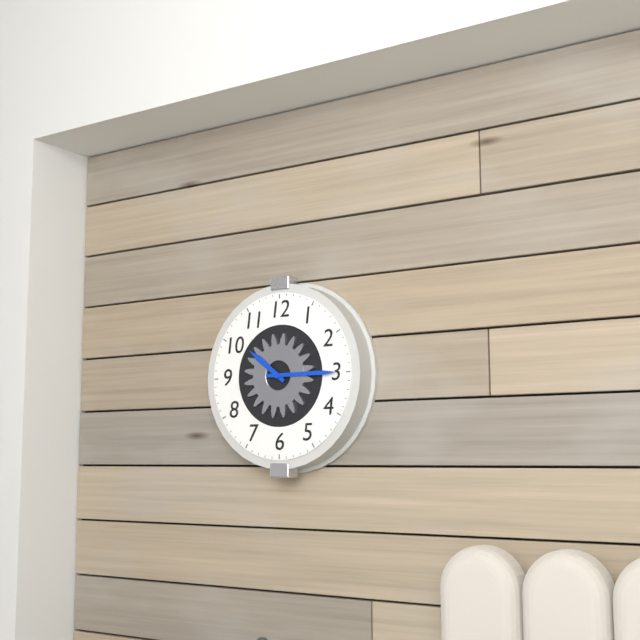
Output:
10:15
